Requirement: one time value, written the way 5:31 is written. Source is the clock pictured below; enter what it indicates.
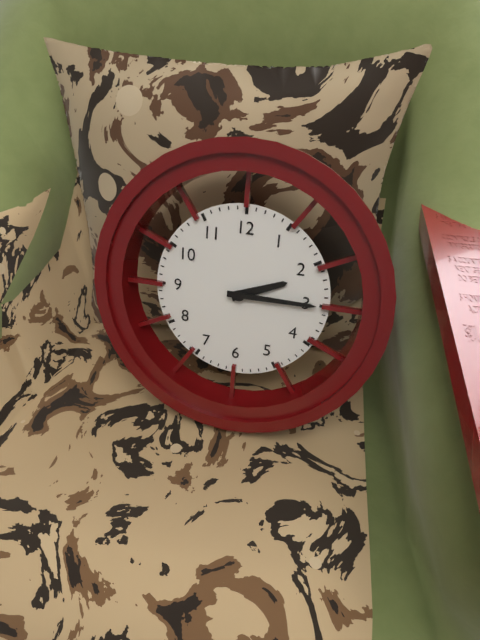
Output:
2:15
